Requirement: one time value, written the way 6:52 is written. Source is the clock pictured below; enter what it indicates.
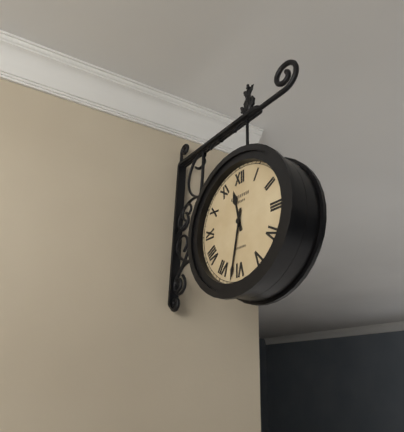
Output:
11:32
